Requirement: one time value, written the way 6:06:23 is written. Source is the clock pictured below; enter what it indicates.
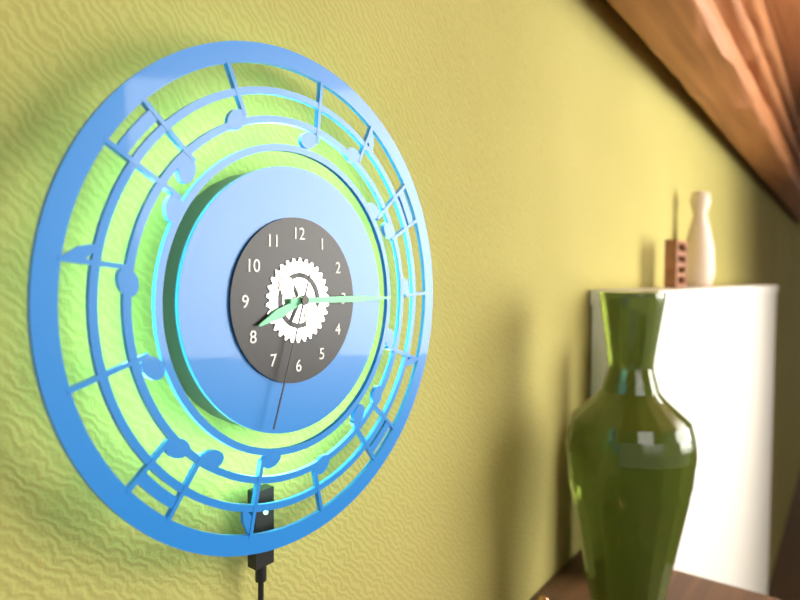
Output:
8:15:33
